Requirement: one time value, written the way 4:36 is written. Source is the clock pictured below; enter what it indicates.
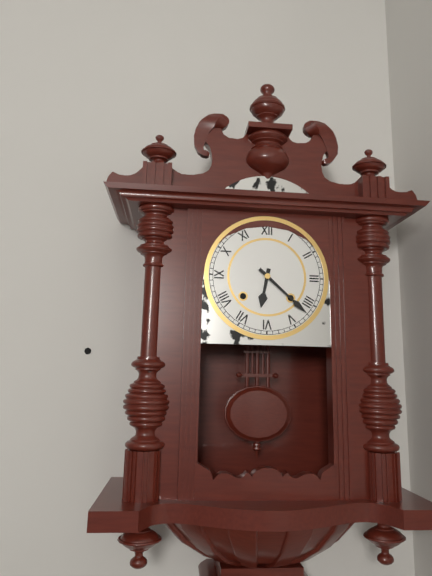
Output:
6:22
